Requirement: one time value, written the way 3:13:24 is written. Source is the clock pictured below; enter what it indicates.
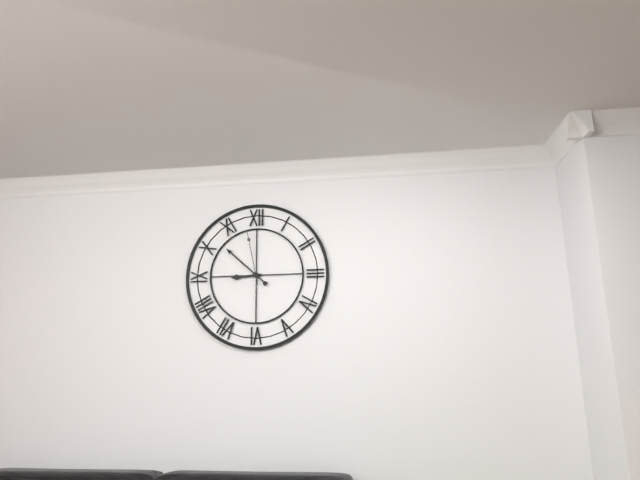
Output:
8:52:58
